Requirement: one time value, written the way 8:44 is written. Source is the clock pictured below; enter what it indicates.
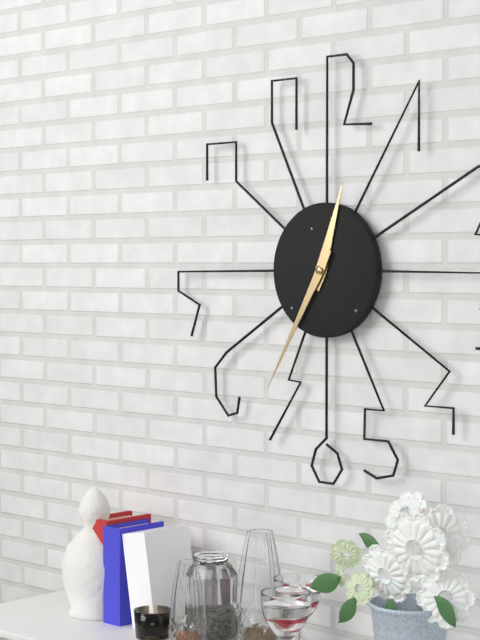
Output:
12:35
